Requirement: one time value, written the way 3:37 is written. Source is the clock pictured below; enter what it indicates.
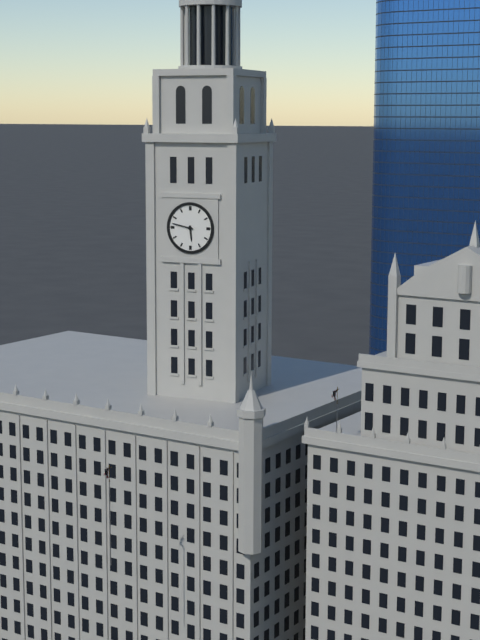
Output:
5:47
